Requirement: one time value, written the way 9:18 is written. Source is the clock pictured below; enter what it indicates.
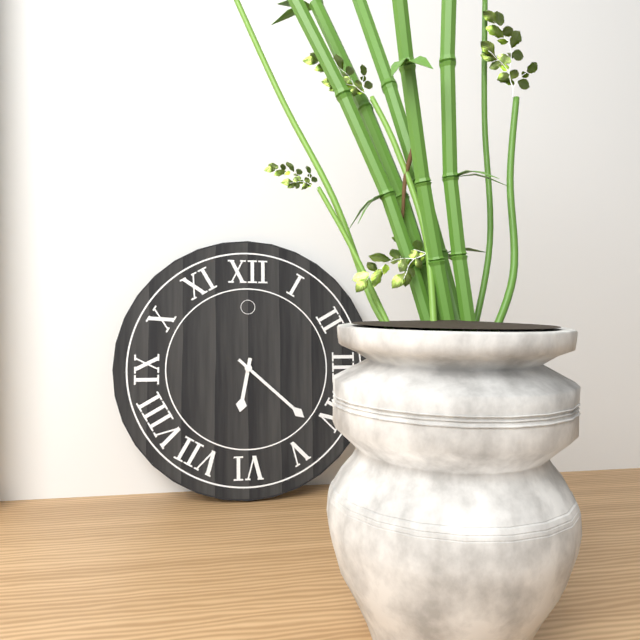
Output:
6:22
